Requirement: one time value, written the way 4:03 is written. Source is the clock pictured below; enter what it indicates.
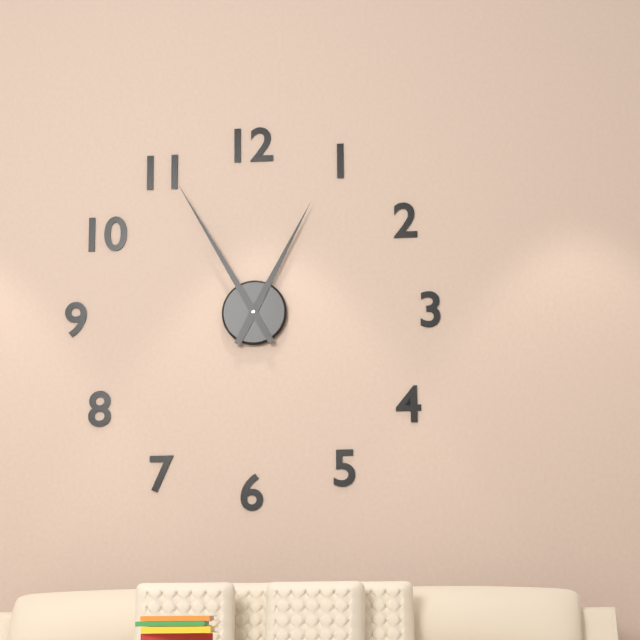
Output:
12:55
